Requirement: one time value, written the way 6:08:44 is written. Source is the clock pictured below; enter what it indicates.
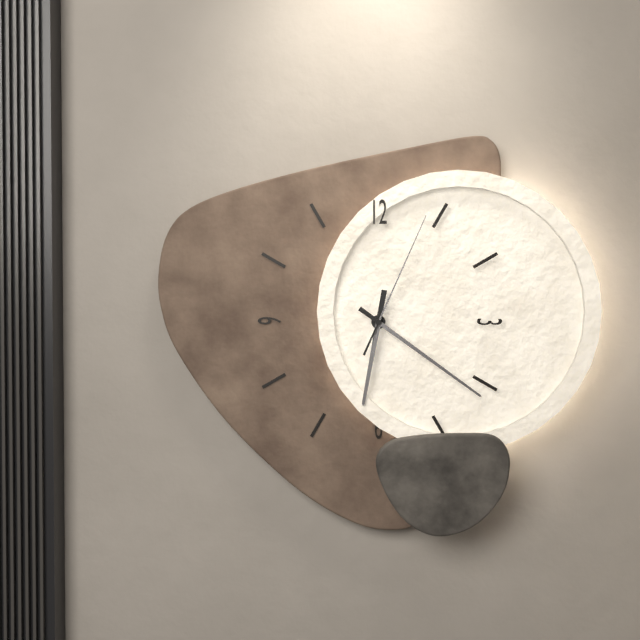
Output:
6:21:04
